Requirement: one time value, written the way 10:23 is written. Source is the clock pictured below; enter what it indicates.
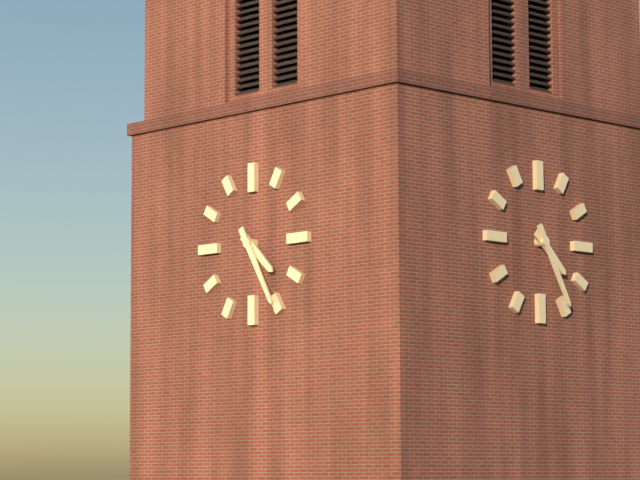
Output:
4:25
